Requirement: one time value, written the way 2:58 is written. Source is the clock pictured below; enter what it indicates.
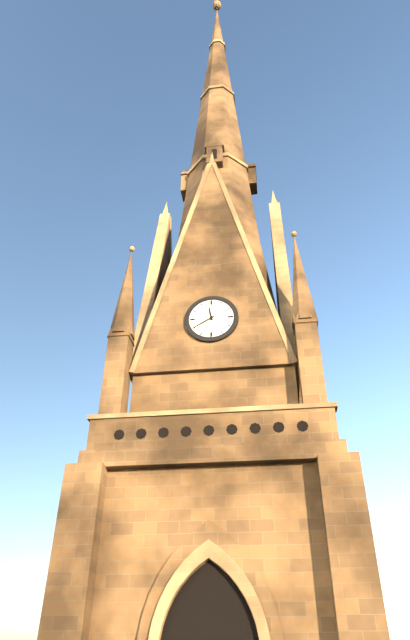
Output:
11:40
